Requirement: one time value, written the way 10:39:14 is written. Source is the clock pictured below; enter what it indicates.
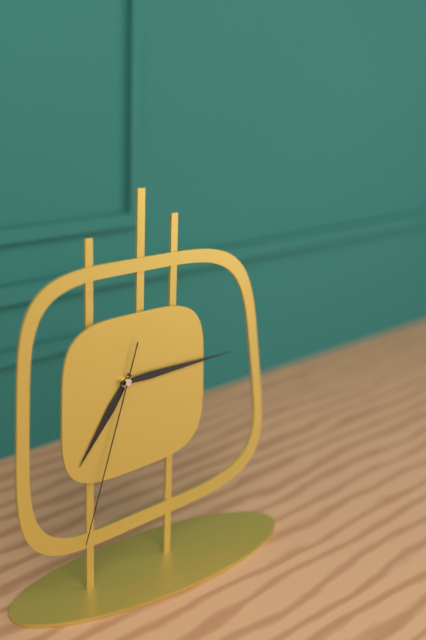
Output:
7:15:33
